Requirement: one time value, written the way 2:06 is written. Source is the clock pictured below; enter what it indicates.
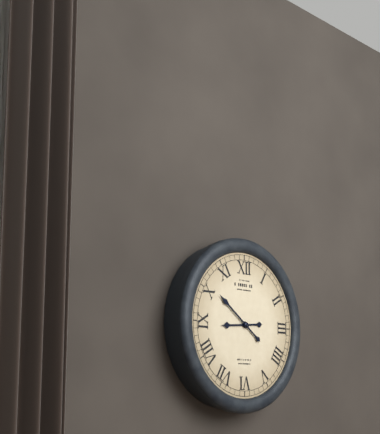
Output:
8:51
